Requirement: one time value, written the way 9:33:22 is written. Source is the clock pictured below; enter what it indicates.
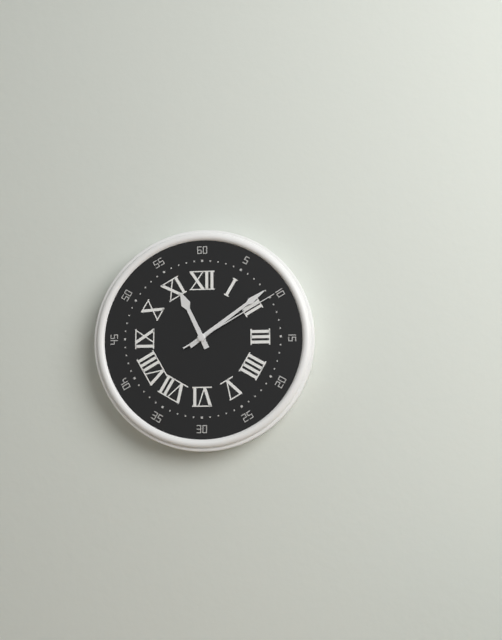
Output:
11:09:10
